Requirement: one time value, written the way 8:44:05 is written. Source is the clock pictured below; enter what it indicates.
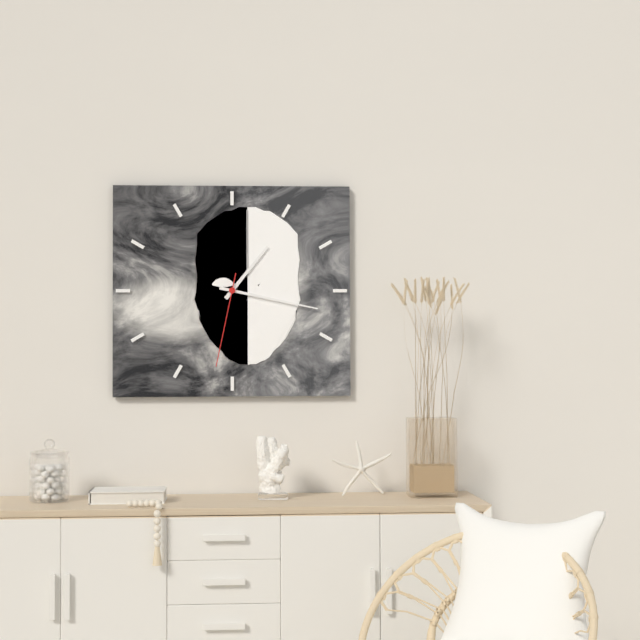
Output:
1:17:32
